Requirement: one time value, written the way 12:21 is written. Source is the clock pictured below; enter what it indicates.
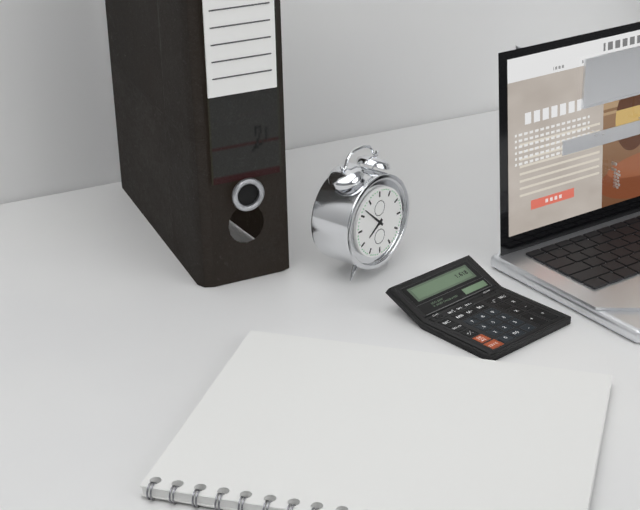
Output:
7:52
